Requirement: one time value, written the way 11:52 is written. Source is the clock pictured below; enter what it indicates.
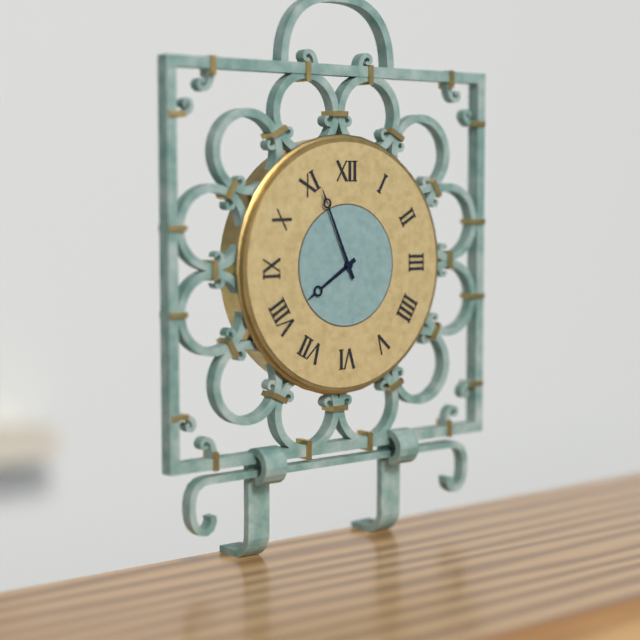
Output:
7:56
